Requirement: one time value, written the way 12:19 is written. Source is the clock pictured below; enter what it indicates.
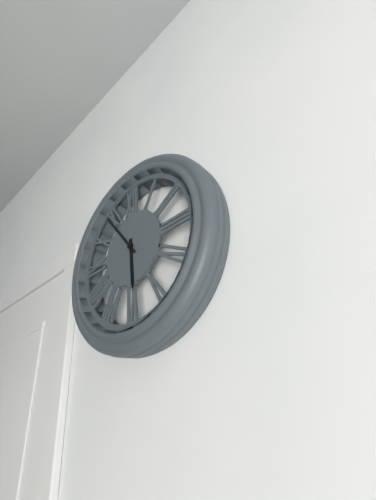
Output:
5:54
